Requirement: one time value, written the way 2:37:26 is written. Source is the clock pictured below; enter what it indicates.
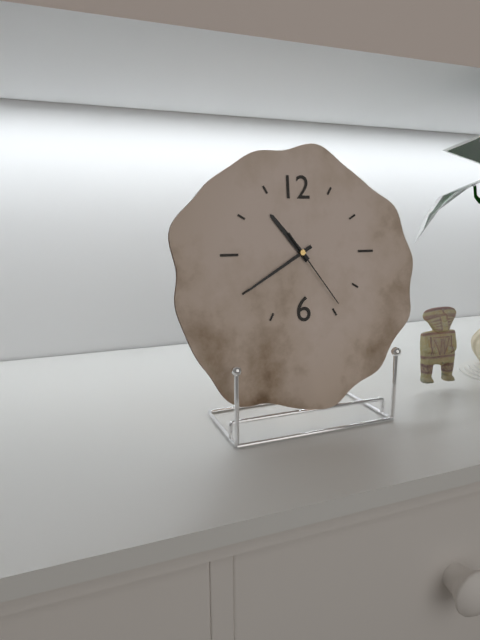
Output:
10:40:24
